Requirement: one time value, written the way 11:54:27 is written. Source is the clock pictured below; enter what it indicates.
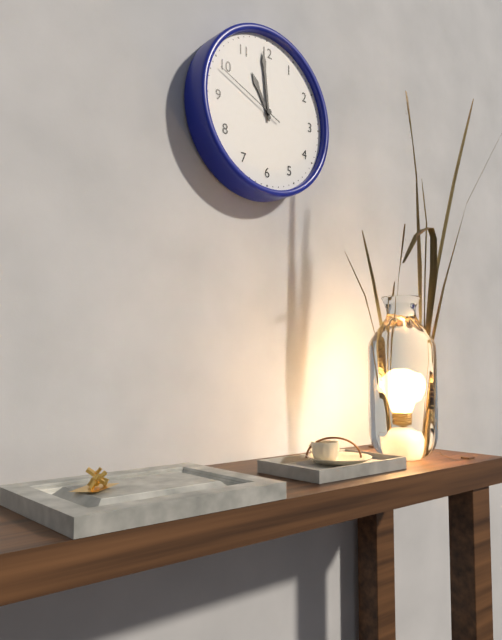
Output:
10:59:49
